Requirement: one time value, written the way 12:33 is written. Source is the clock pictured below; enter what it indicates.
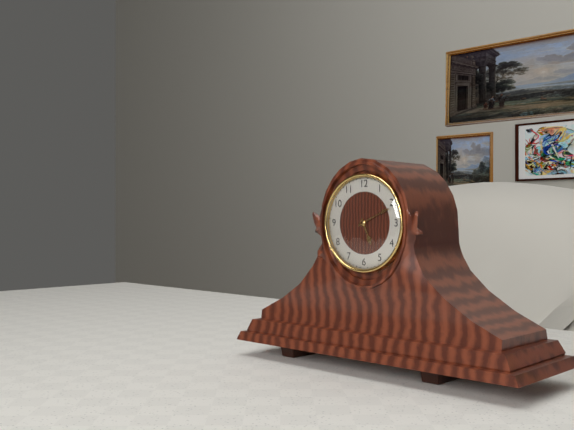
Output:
5:11
